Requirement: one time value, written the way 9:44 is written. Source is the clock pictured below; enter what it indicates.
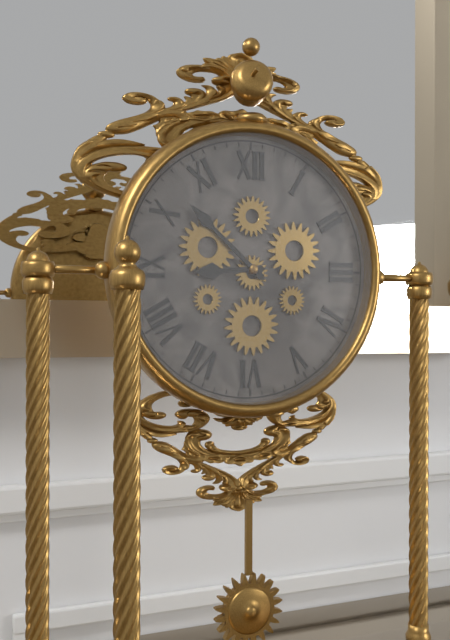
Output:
8:52
